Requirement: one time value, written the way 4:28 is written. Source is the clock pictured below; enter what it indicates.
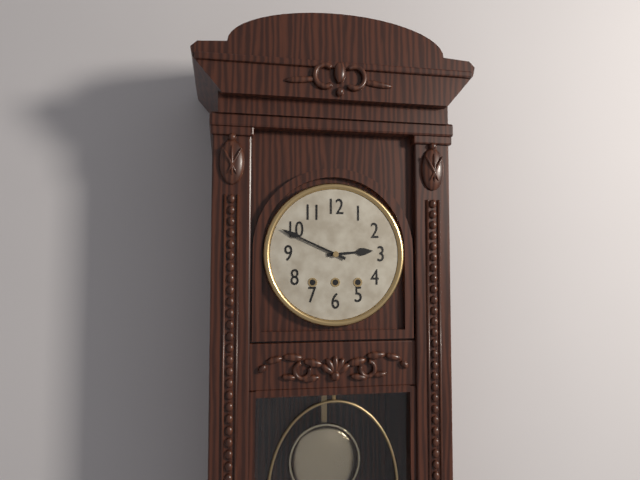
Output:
2:49
